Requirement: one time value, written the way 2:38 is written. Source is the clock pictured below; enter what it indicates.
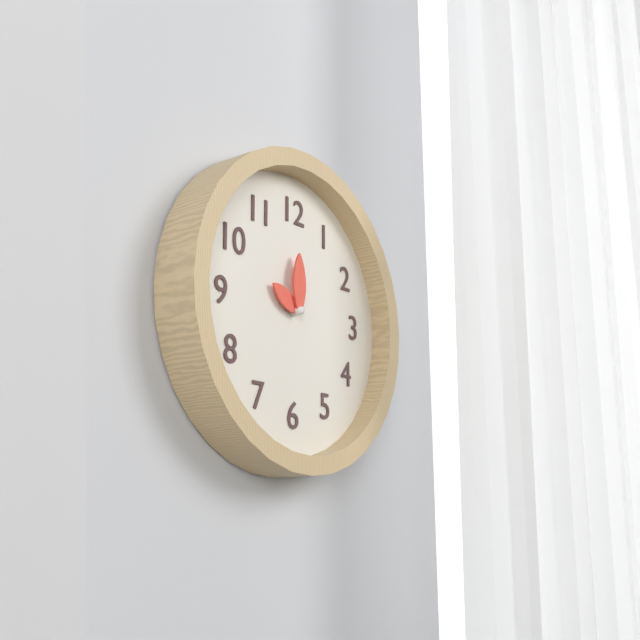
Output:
10:00
